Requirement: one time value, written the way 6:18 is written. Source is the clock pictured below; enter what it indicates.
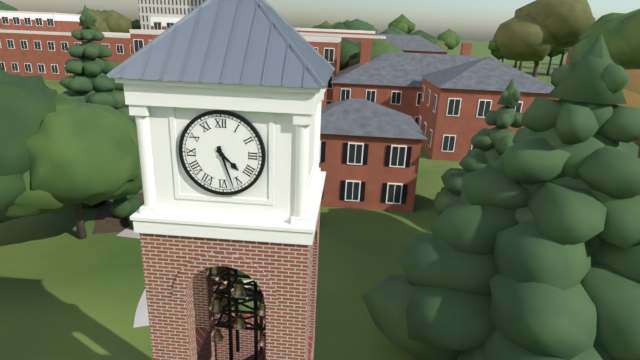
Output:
4:27
